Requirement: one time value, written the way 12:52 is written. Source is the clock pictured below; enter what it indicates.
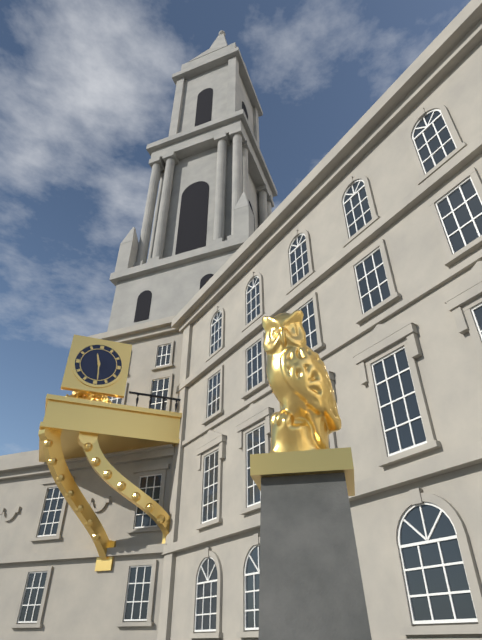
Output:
11:29
